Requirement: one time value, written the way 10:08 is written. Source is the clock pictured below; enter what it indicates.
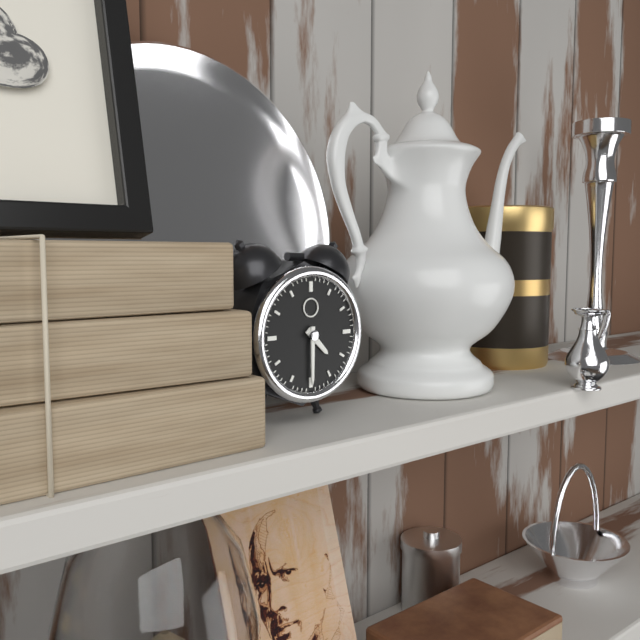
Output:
4:30
